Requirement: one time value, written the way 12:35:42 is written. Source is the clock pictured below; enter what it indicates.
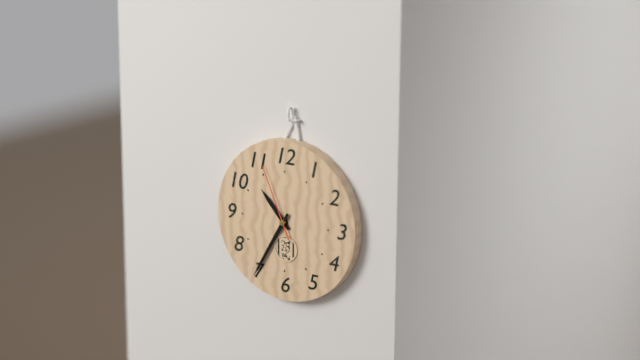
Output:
10:35:56
